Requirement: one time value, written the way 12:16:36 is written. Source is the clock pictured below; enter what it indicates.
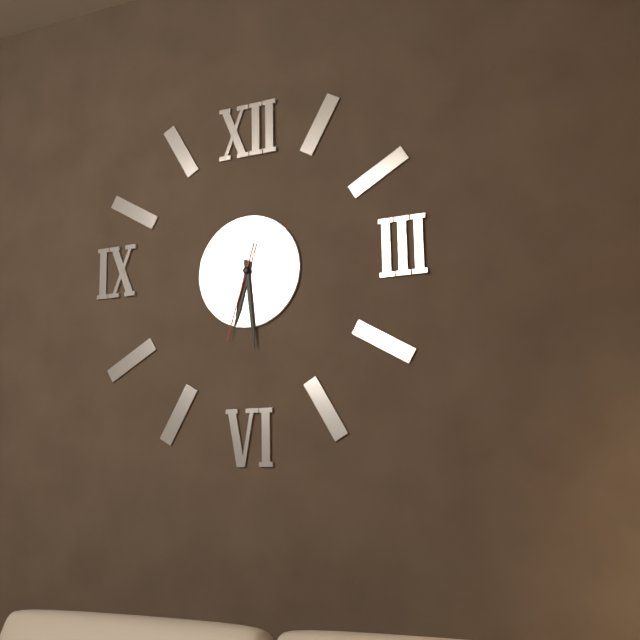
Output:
6:29:33
